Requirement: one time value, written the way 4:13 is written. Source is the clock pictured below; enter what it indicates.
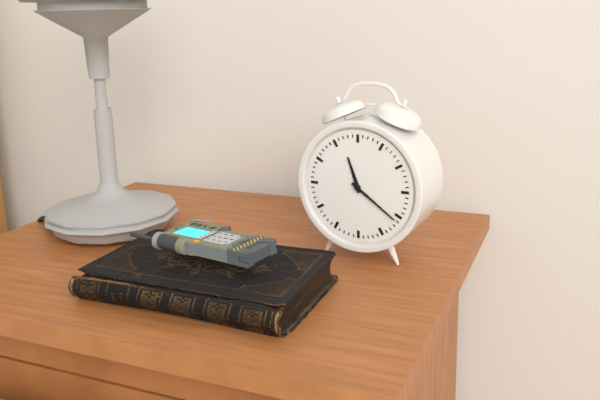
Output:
11:21
